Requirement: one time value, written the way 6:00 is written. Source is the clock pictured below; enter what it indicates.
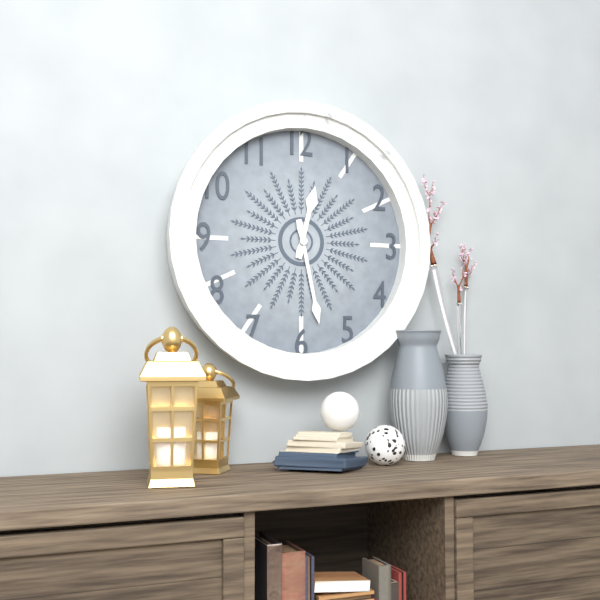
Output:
12:28
